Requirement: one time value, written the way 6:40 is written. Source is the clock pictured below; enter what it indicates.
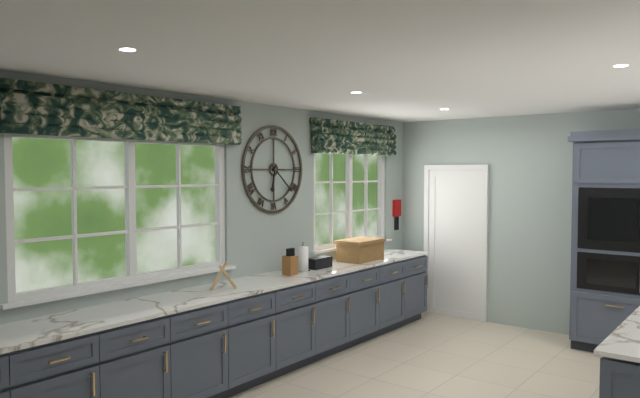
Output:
6:22
